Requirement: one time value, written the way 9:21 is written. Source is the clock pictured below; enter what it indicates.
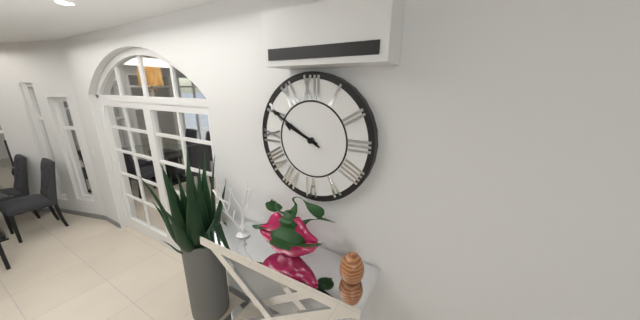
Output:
9:50
